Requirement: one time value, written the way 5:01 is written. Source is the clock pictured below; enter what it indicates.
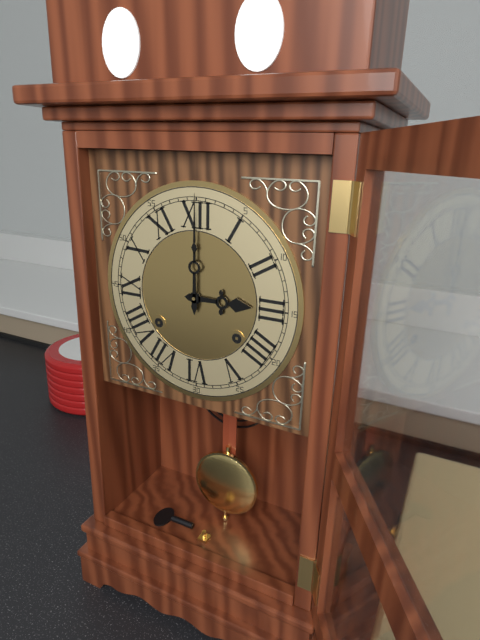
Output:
3:00
